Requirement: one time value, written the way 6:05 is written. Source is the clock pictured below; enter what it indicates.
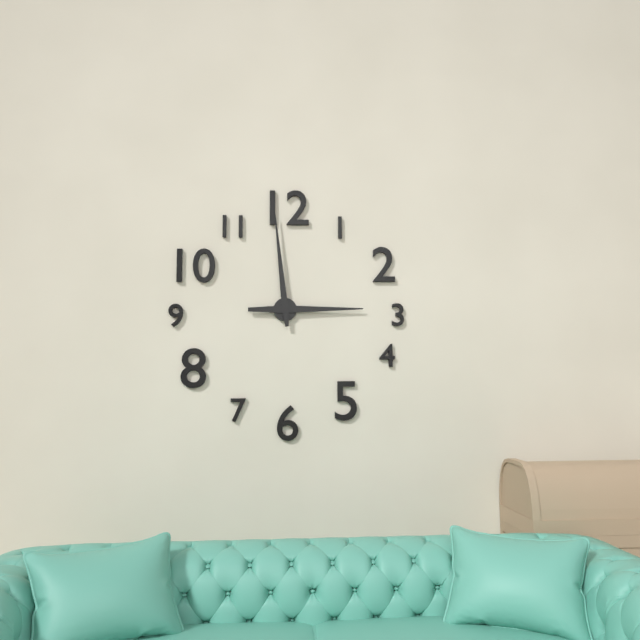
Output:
2:59
